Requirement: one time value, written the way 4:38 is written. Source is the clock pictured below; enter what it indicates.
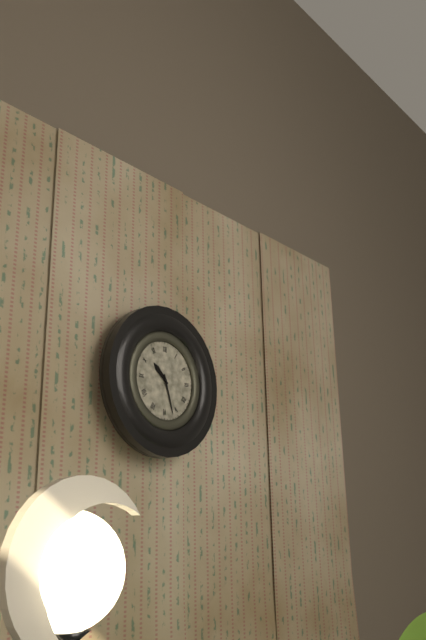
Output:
10:27
